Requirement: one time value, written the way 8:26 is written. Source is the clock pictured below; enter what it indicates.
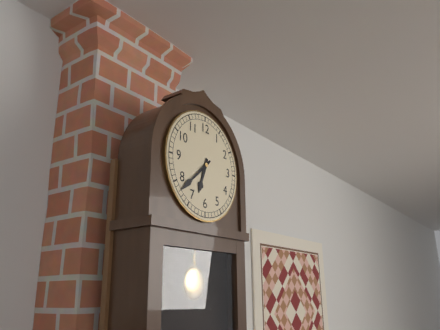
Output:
6:38
